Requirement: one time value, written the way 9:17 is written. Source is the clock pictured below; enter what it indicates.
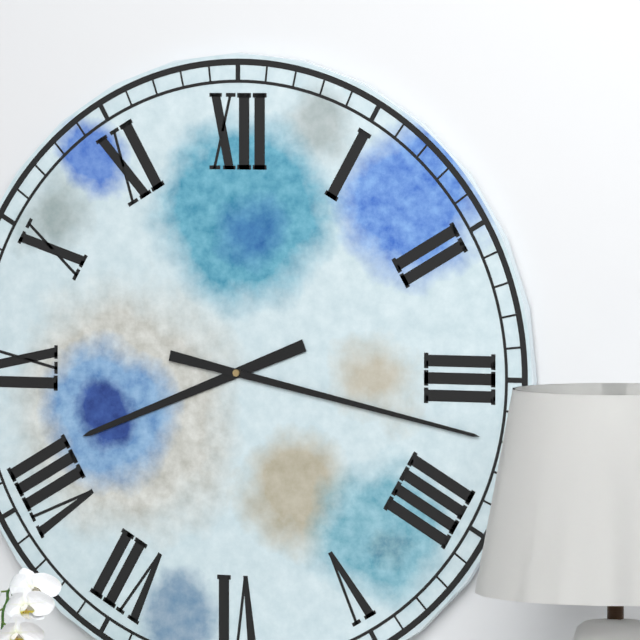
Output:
8:17
